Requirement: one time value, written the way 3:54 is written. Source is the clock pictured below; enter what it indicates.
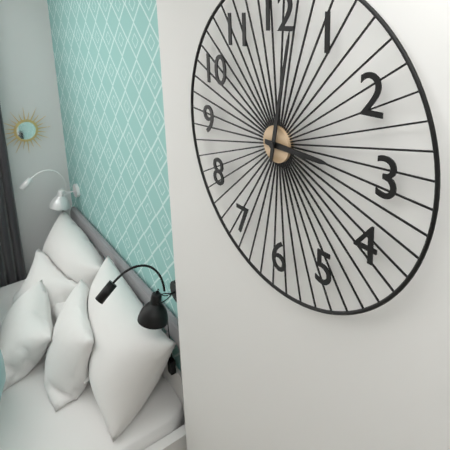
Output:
3:02
